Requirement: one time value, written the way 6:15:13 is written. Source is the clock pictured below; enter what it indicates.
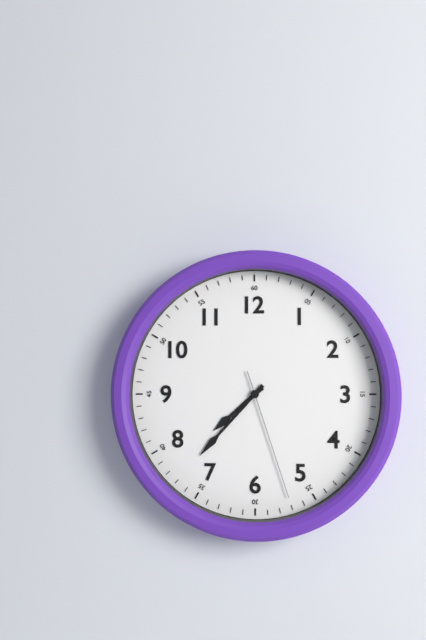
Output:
7:37:27
